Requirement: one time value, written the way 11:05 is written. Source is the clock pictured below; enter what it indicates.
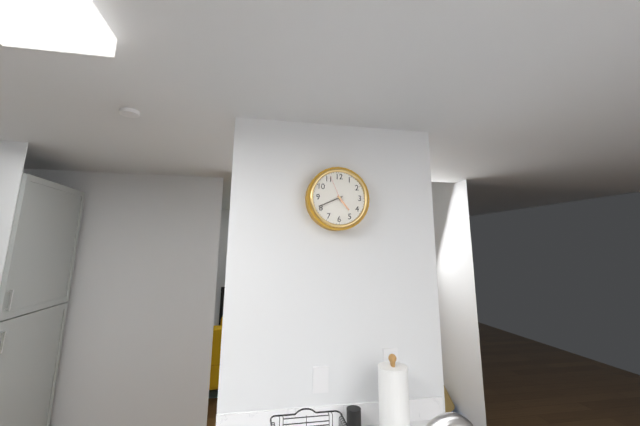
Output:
4:41
